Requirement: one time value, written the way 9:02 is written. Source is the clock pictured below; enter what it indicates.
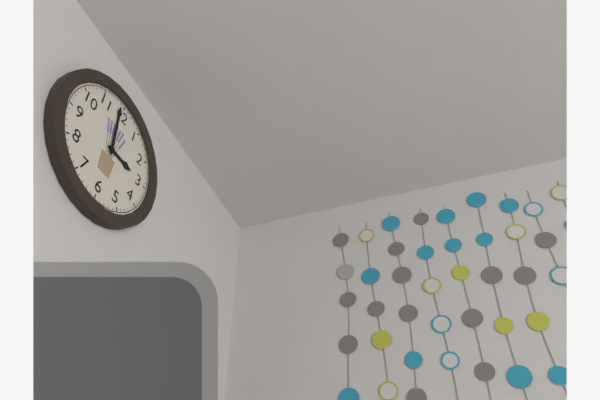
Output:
2:59
